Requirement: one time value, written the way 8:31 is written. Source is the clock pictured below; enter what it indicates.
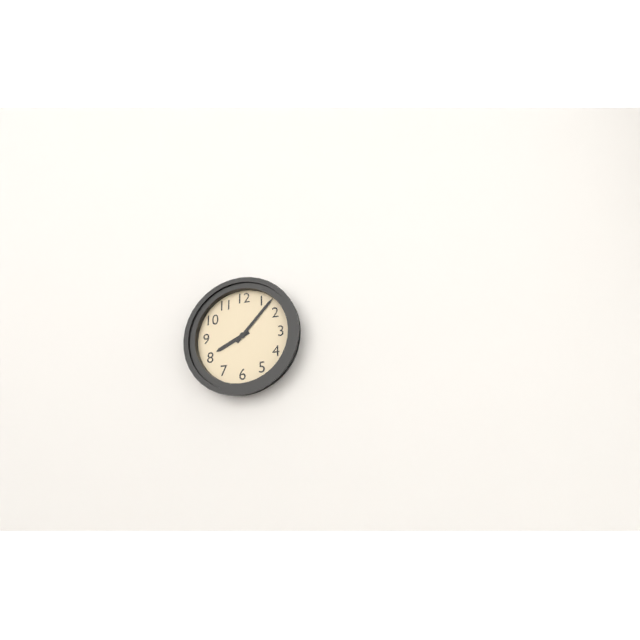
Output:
8:07
